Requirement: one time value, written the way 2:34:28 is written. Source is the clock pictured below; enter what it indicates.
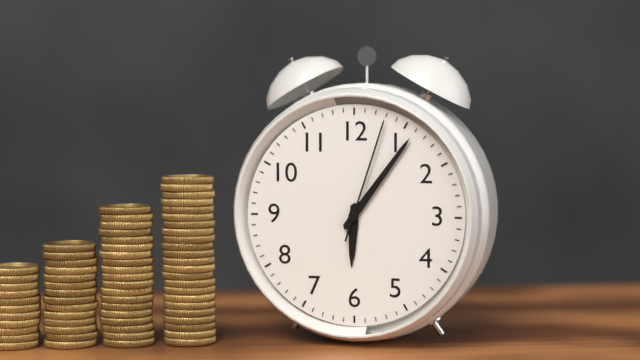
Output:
6:06:03
